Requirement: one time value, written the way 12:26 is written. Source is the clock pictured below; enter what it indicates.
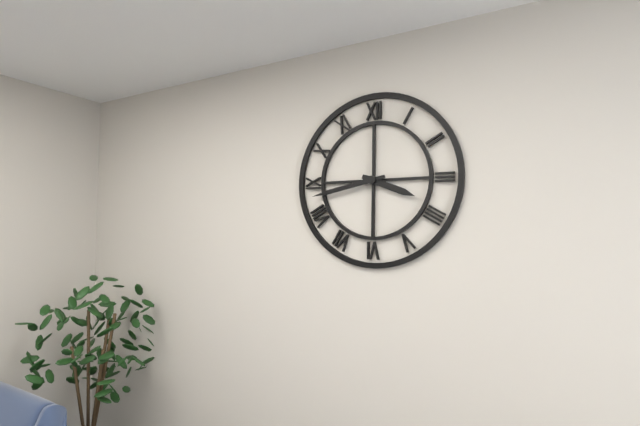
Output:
3:43
